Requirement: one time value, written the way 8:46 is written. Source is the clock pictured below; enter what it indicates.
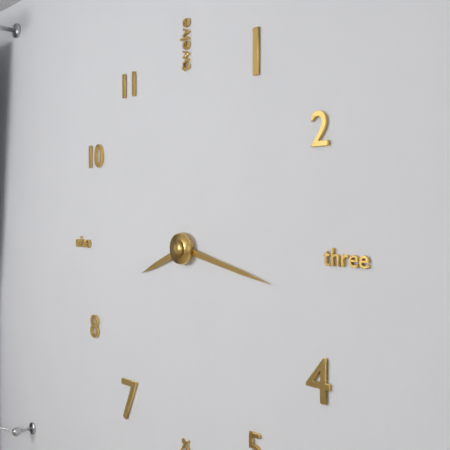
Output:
8:17
